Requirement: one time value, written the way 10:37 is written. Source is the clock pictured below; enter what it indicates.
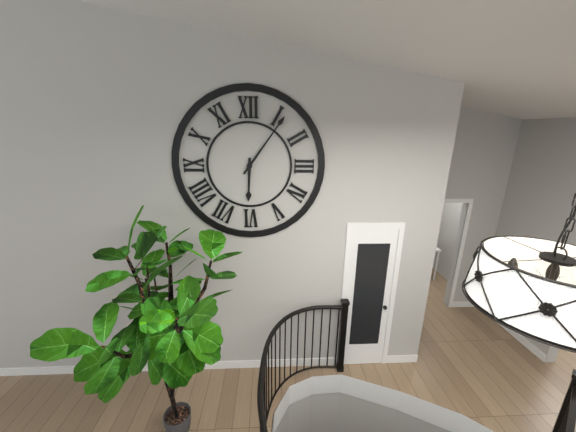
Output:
6:06
